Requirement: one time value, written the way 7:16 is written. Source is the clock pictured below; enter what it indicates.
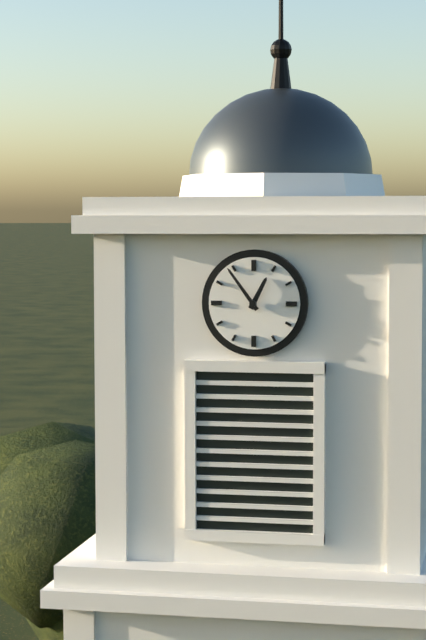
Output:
12:54
